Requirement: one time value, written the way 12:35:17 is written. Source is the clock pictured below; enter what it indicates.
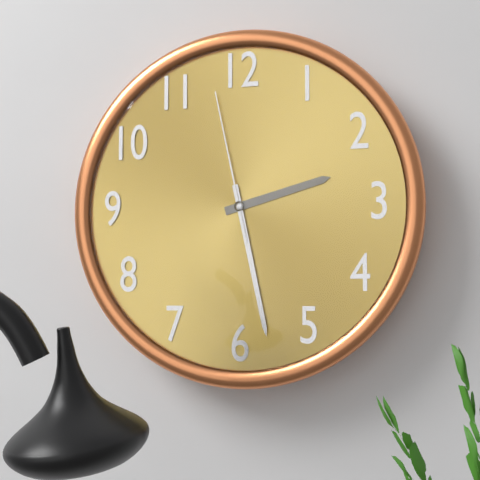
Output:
2:28:58
